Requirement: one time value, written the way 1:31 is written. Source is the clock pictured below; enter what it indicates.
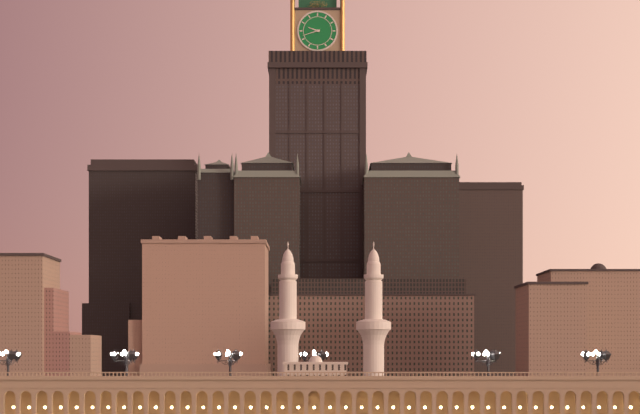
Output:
9:42
